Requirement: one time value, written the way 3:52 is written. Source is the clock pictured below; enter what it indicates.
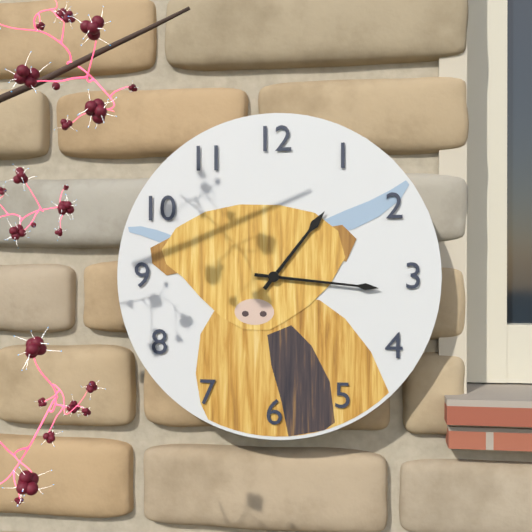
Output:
1:16
